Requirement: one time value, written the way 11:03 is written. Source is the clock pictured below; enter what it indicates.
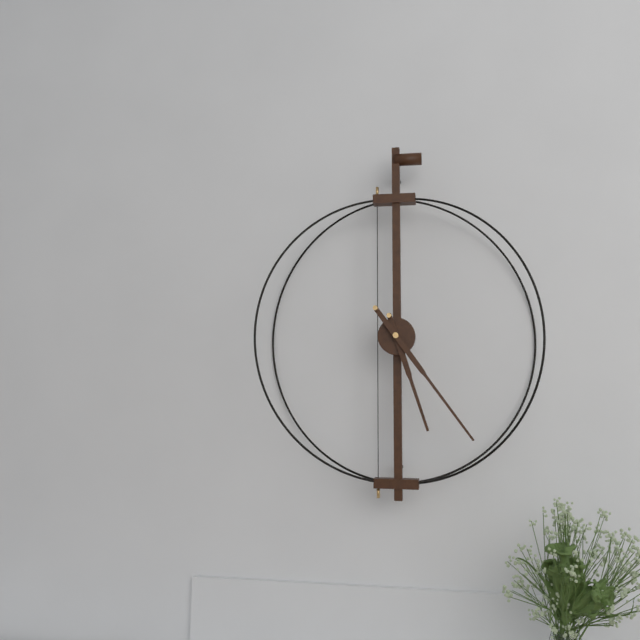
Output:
5:24
